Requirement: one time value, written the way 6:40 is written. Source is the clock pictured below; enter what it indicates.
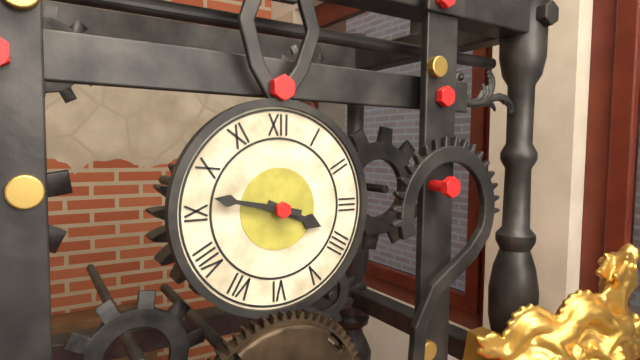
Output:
3:47
